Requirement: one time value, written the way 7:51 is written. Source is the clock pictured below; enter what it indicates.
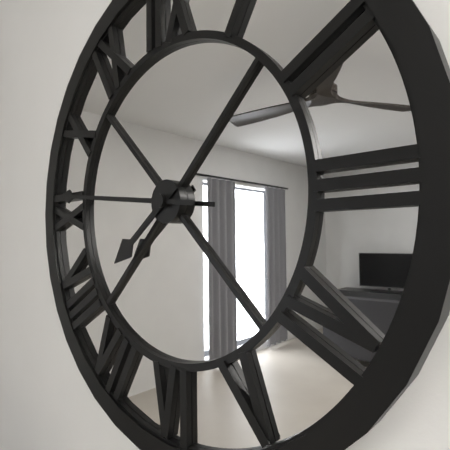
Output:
7:46
